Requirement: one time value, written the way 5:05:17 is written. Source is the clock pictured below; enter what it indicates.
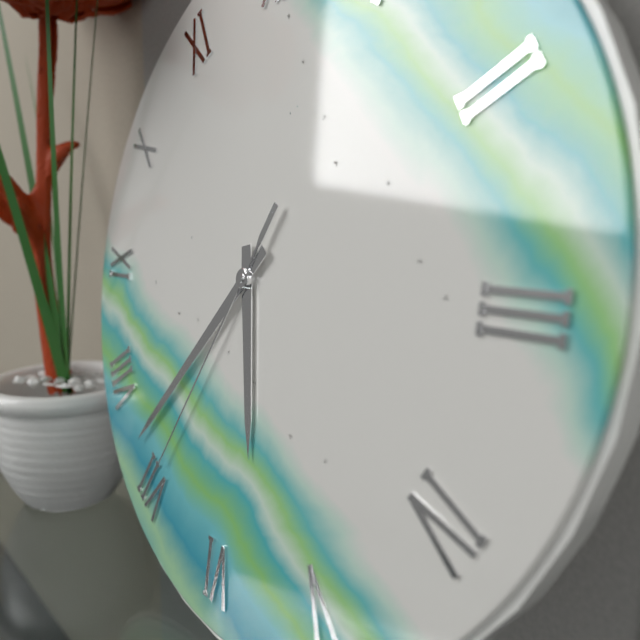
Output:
5:37:35
